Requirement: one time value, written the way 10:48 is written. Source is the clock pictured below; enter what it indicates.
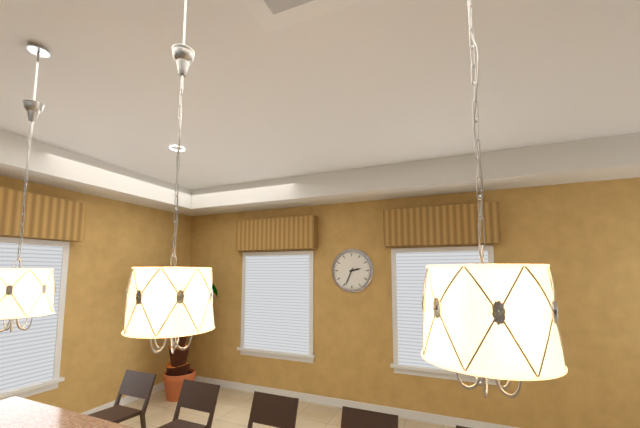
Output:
2:34
